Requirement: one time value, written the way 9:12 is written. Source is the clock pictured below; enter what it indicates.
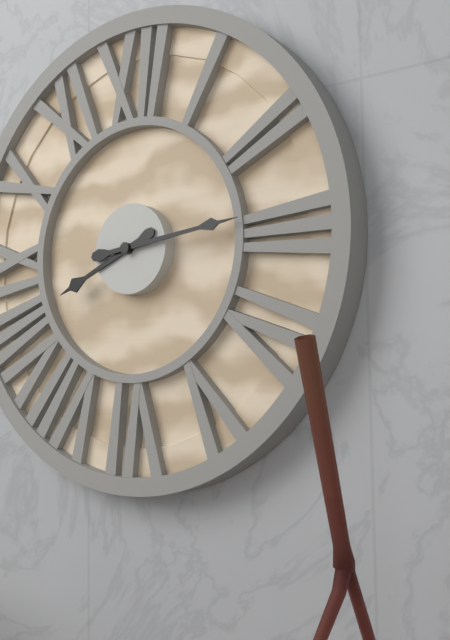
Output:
8:14
